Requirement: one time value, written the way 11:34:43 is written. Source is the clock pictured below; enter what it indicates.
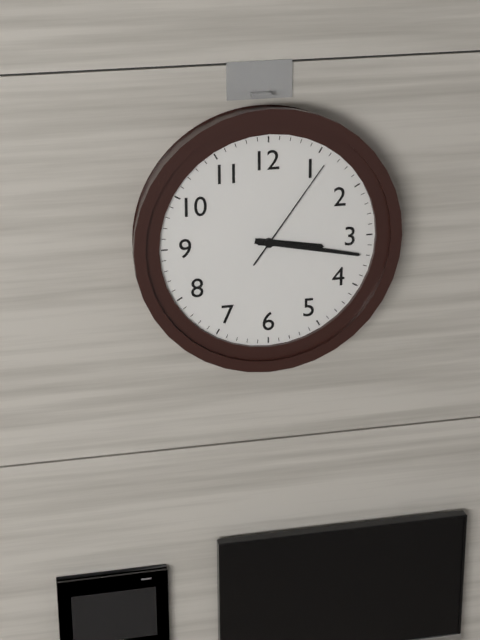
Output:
3:17:06
